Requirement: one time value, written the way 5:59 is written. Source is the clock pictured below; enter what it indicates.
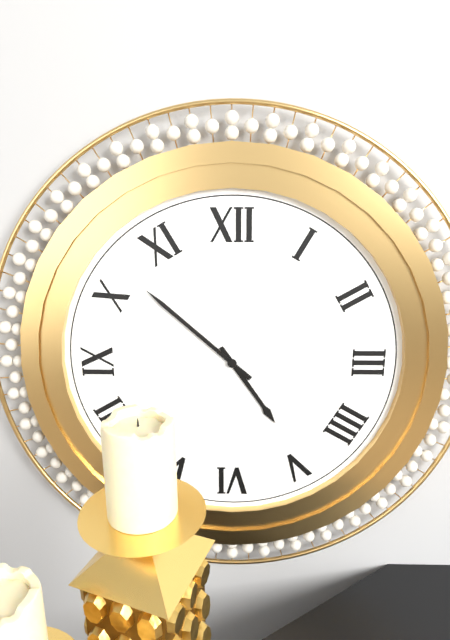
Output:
4:52
